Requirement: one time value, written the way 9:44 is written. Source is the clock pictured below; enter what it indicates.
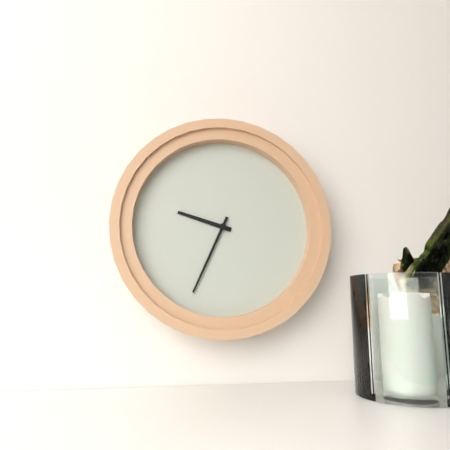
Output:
9:34
